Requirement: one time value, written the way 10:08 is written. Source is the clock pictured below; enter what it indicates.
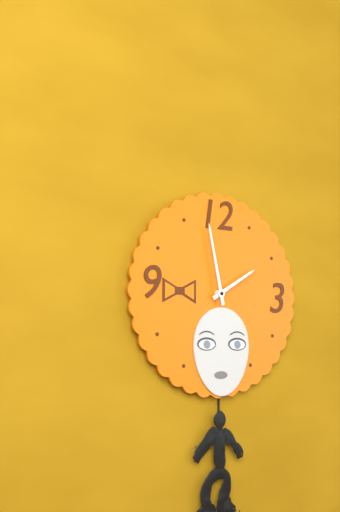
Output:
1:58
